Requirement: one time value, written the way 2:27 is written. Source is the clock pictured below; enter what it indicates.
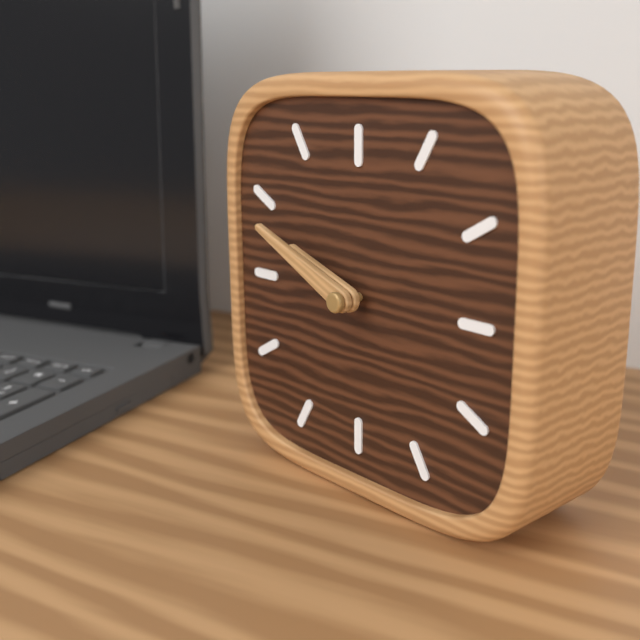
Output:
9:49
